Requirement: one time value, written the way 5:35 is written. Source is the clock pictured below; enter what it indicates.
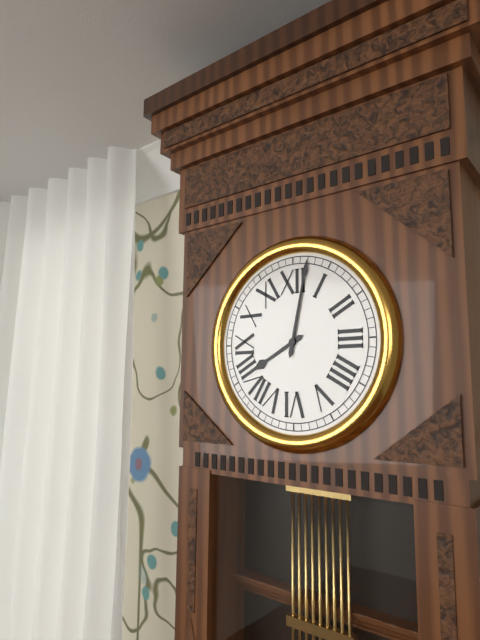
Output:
8:02
